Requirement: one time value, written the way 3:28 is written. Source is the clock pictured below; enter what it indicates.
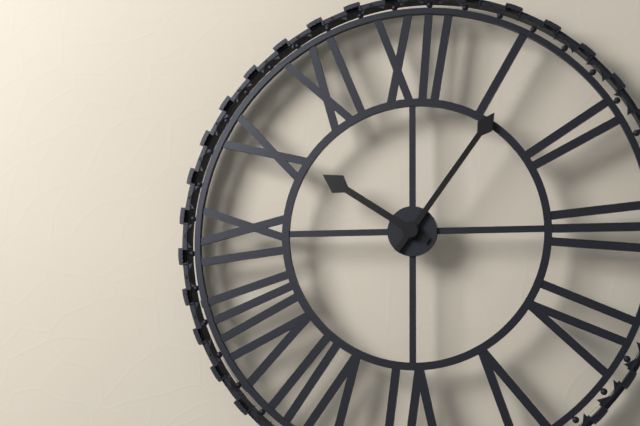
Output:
10:06
